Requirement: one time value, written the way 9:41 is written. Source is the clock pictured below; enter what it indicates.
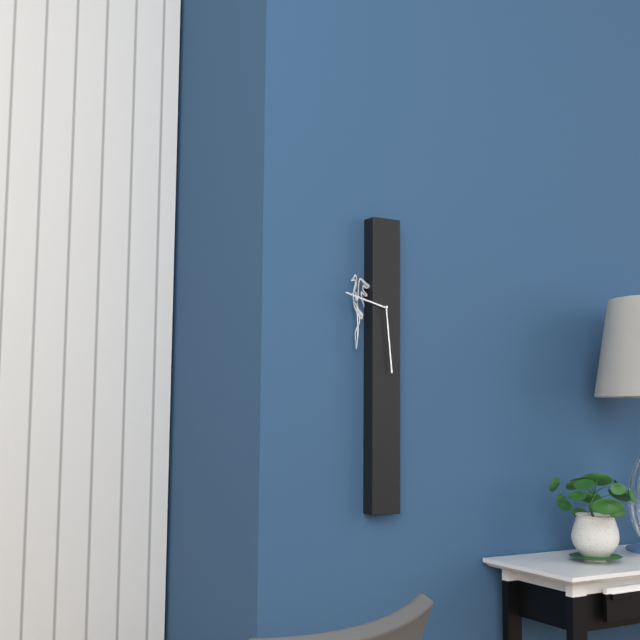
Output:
9:29
